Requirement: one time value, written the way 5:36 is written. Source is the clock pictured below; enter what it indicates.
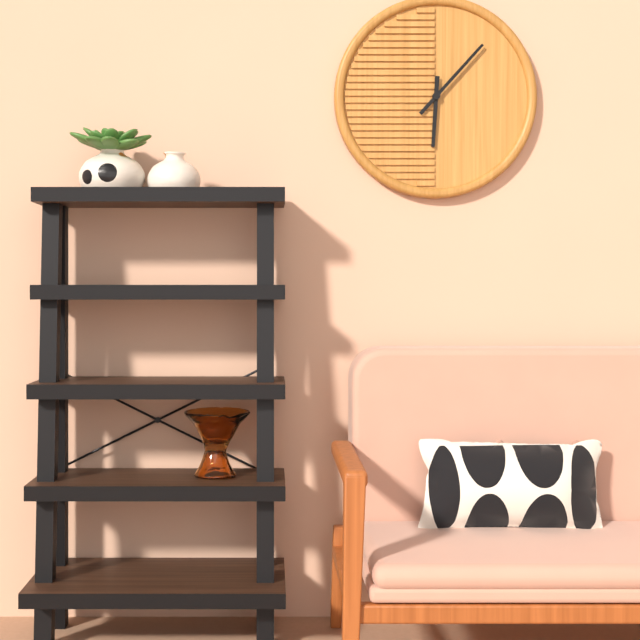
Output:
6:07
